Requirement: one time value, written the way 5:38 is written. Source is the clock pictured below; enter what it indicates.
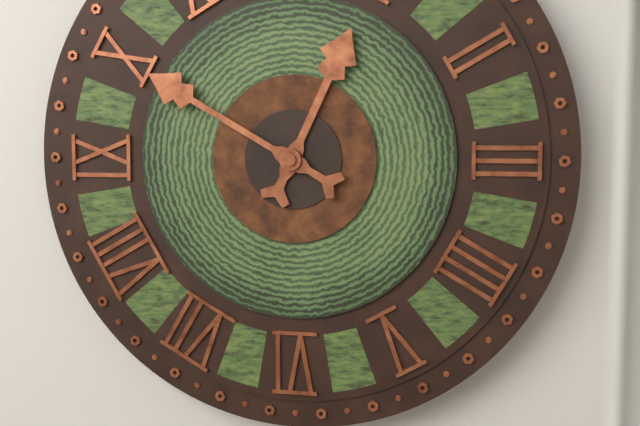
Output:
12:50
